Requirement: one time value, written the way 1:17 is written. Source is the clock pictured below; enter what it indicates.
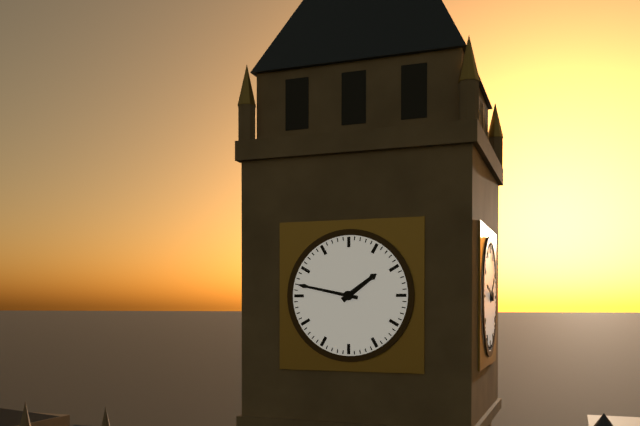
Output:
1:47
